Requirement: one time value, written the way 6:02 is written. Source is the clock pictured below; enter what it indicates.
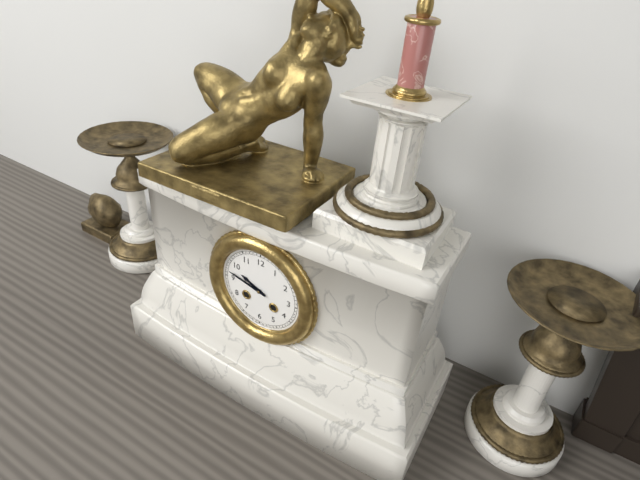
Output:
9:47
